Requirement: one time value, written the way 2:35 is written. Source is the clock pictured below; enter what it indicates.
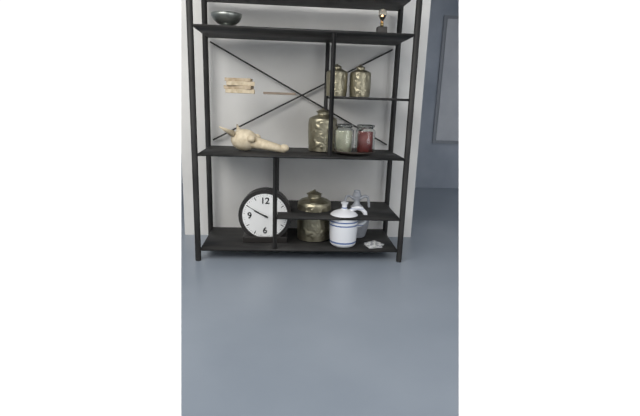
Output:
9:50
